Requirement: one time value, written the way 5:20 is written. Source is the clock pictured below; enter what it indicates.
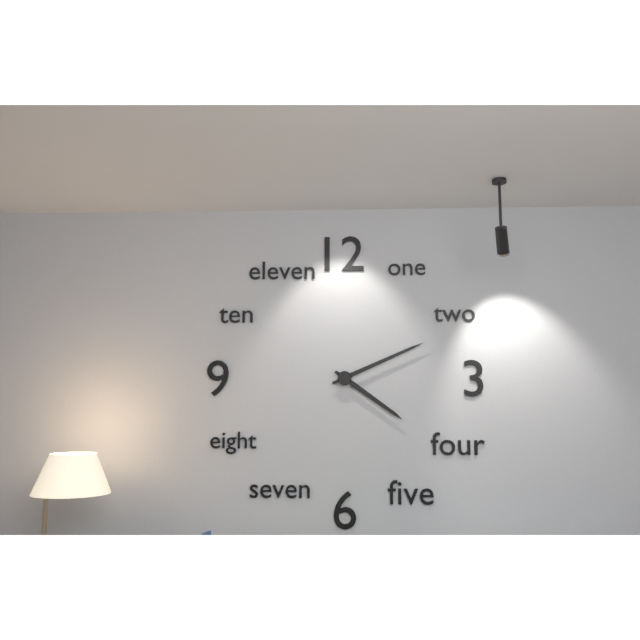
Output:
4:11
